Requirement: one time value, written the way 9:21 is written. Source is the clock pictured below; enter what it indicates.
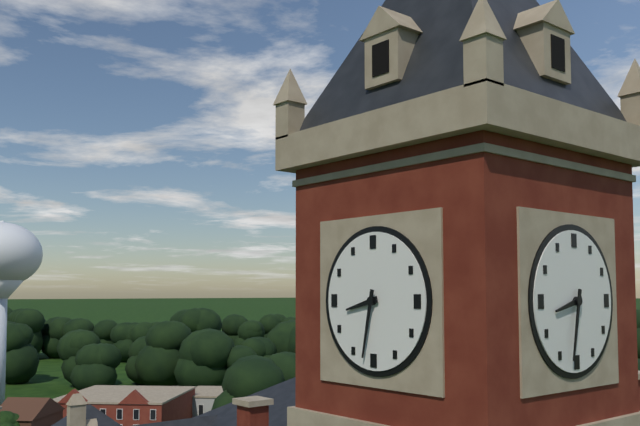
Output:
8:32
